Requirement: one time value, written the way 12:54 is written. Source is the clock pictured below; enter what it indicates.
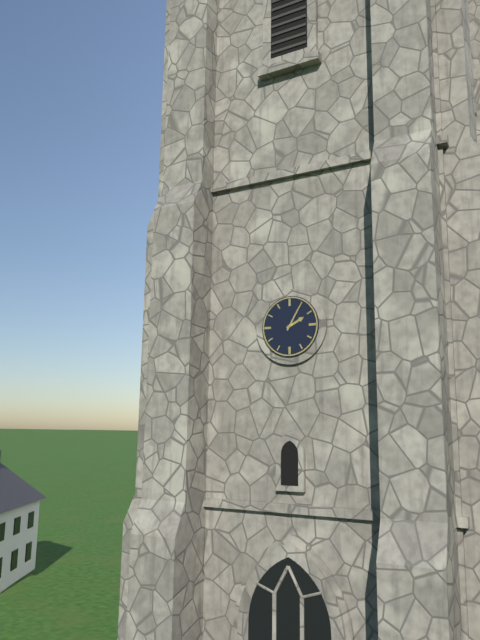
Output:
2:05
